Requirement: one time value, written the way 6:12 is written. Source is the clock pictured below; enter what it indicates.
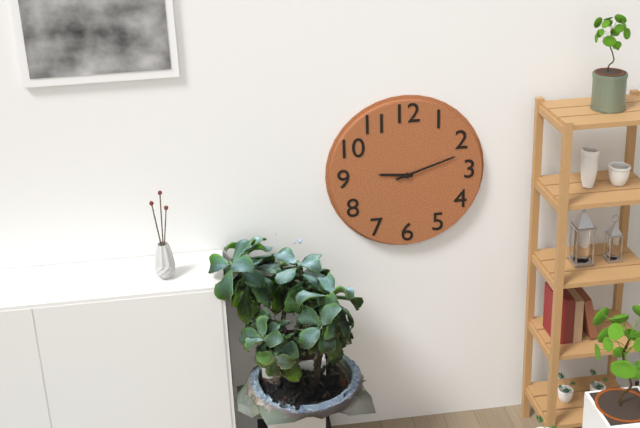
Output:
9:12
